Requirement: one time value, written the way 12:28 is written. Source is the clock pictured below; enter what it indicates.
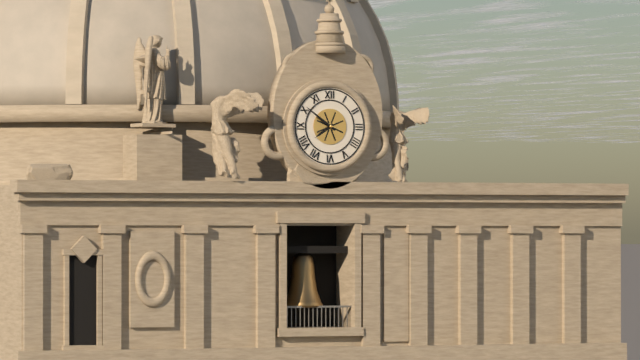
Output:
7:51
